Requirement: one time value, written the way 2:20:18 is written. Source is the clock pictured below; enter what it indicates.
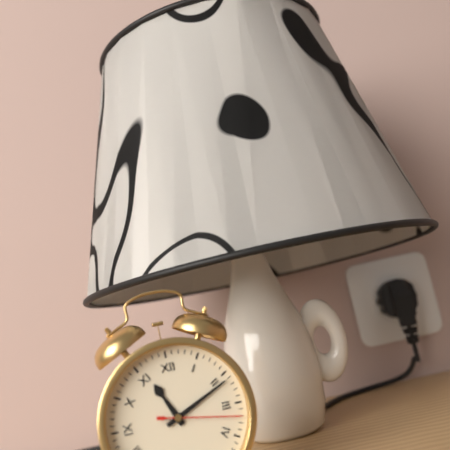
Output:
11:11:17
